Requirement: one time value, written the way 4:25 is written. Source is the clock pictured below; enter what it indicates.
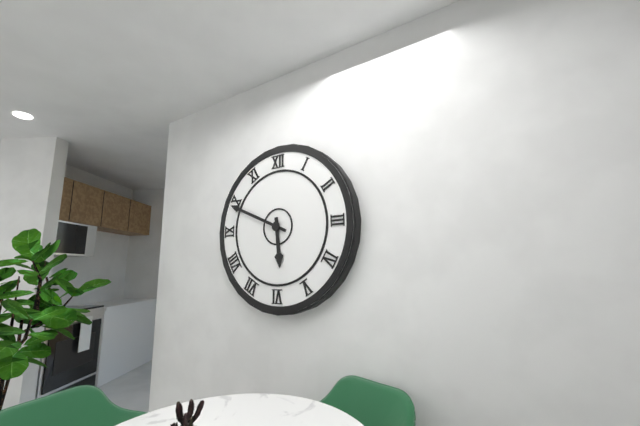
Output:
5:49
